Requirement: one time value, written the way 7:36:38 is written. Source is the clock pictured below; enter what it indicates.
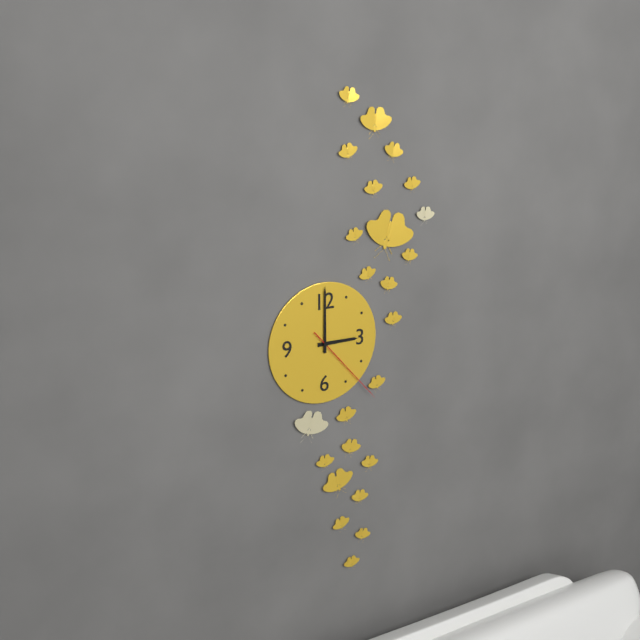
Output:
3:00:23
